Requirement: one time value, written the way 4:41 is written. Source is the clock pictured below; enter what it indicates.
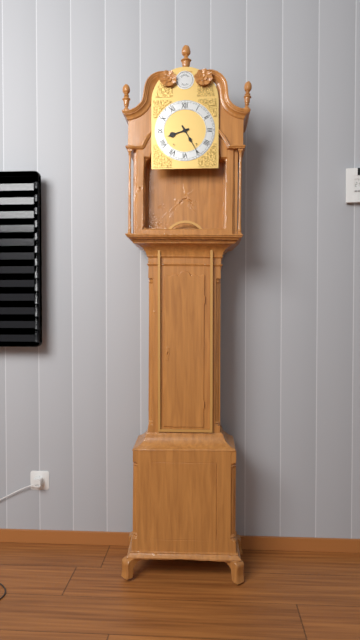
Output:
8:25
